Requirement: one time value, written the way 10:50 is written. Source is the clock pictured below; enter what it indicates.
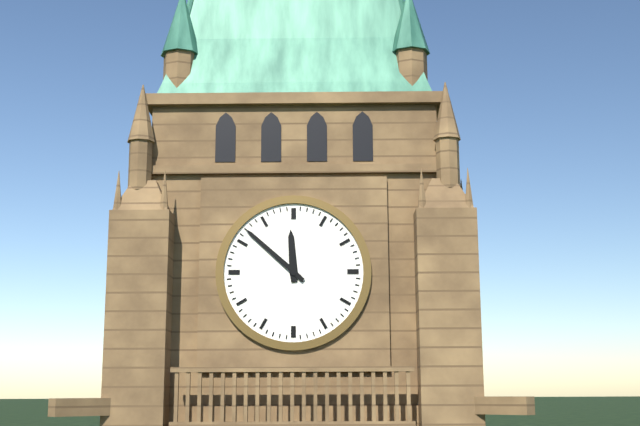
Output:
11:52
